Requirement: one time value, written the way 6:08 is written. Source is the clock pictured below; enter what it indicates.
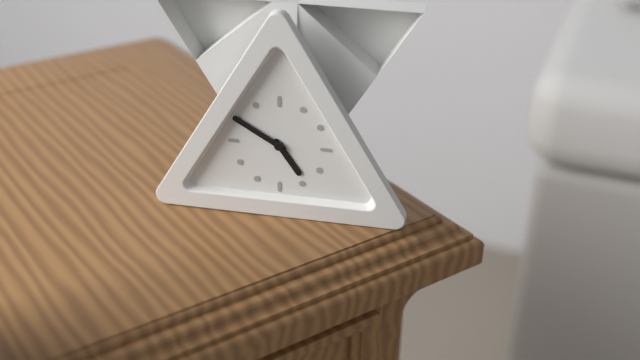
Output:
4:50
